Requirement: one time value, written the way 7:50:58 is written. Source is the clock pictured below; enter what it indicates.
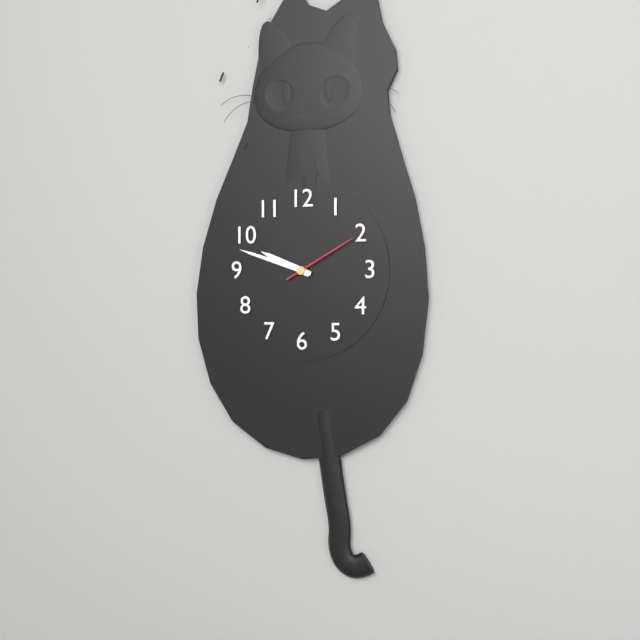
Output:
9:48:10
